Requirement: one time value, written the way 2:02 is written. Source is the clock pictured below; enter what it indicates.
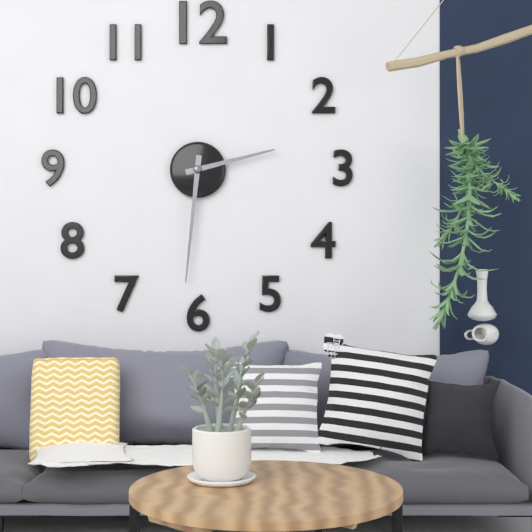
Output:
2:31
